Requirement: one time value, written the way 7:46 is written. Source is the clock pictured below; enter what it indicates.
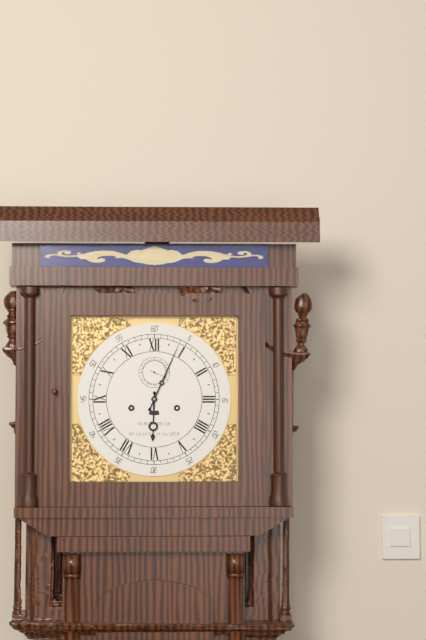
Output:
6:04
